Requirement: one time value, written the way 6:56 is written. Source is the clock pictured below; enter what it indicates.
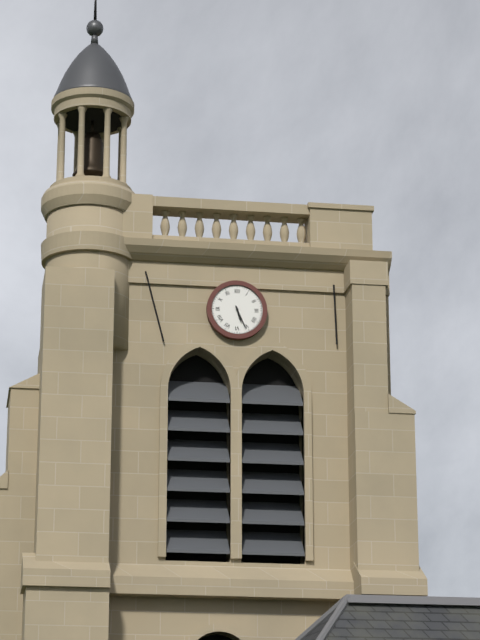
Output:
5:26
